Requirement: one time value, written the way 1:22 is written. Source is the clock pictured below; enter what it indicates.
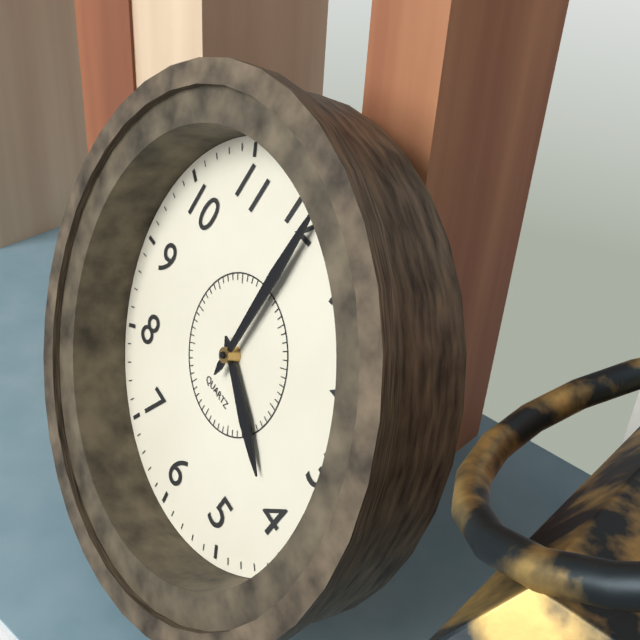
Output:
4:01
